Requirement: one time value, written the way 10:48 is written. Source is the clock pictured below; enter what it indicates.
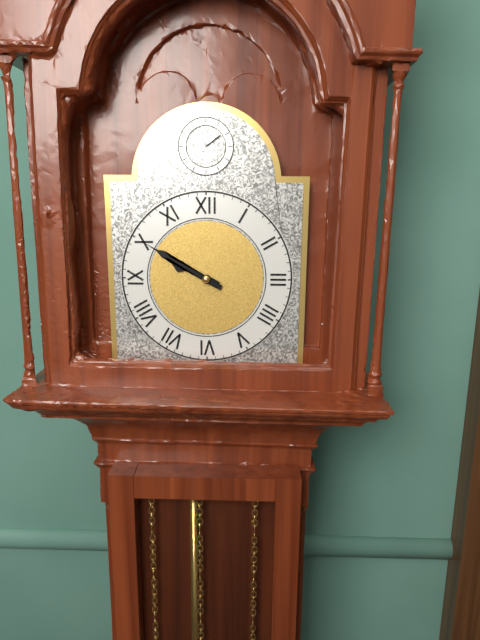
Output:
9:50
